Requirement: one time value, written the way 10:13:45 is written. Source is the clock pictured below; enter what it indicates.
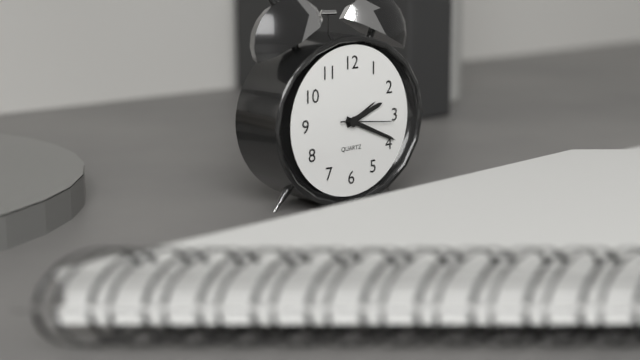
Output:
2:19:16
